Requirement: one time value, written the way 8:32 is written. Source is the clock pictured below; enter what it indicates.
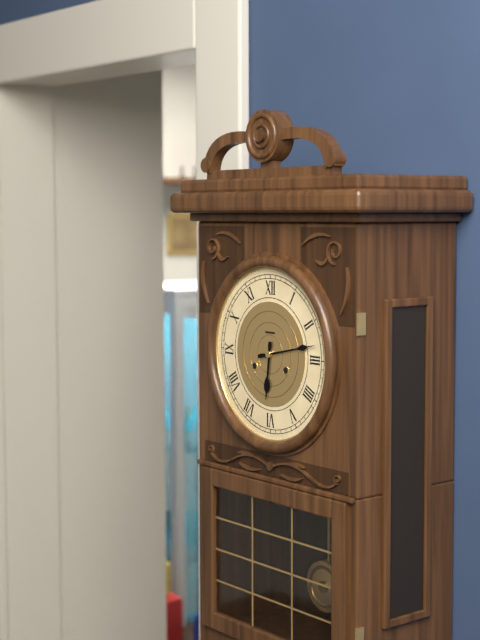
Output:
6:13
